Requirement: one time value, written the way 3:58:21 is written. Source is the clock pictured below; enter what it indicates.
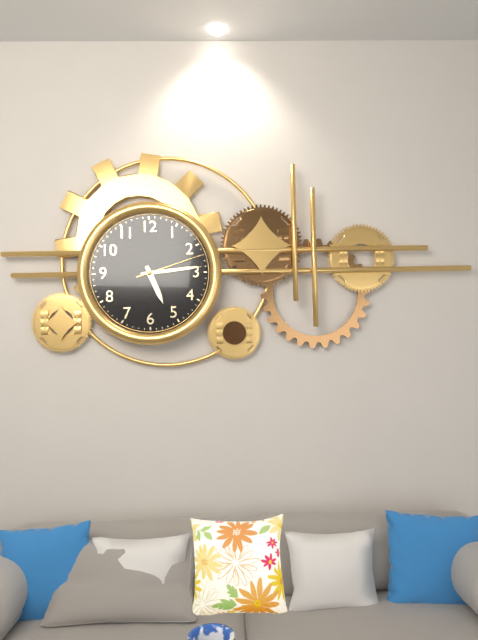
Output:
5:14:12
